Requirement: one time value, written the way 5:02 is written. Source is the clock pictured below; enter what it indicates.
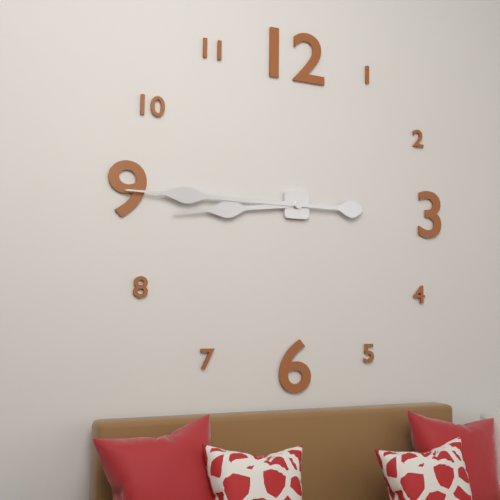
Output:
8:45
